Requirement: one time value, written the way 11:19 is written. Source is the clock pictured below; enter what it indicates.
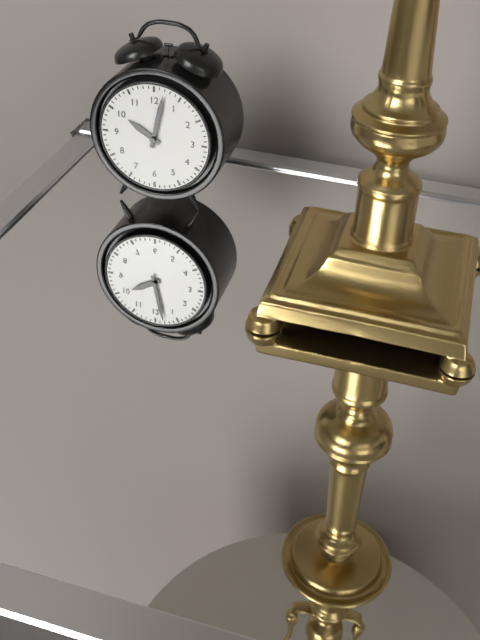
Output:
10:02
